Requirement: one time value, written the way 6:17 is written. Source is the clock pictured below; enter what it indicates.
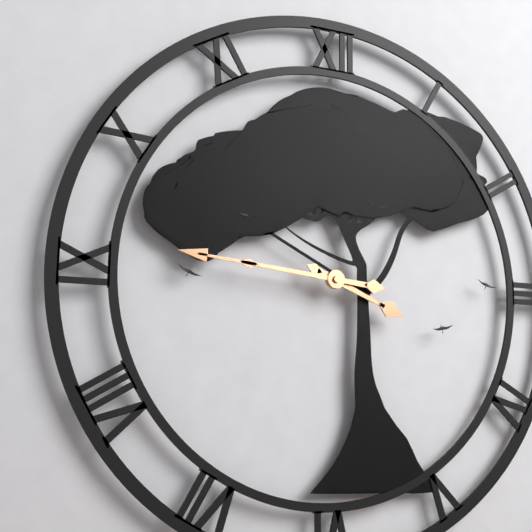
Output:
3:46
